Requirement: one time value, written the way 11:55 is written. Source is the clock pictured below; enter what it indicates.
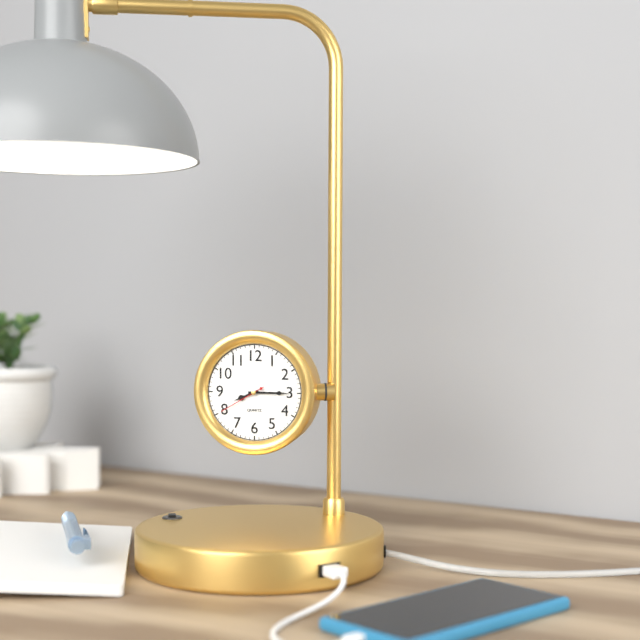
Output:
8:15
